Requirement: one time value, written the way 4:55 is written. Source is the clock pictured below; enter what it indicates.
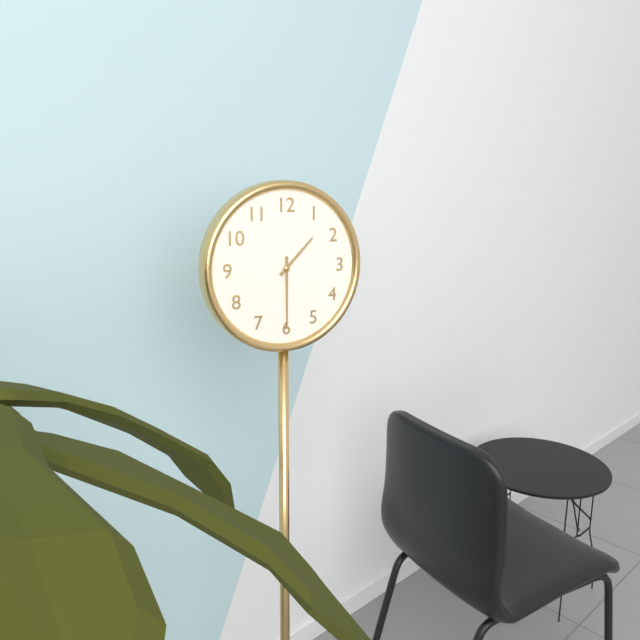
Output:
1:30
